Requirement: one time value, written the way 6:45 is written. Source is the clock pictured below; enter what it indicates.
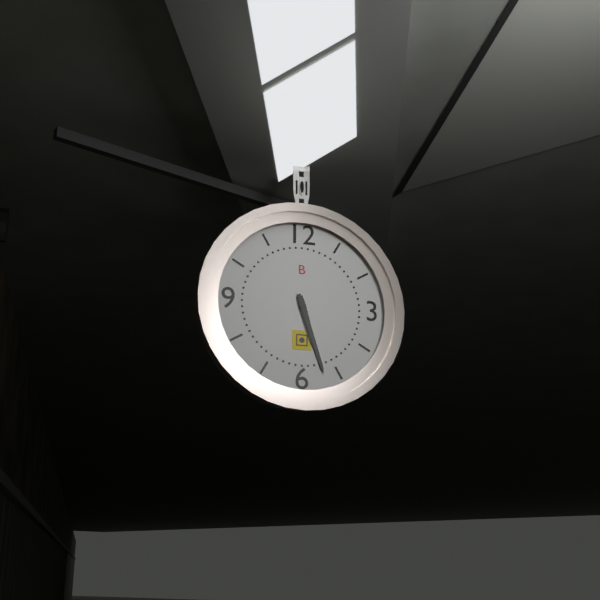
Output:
5:27
